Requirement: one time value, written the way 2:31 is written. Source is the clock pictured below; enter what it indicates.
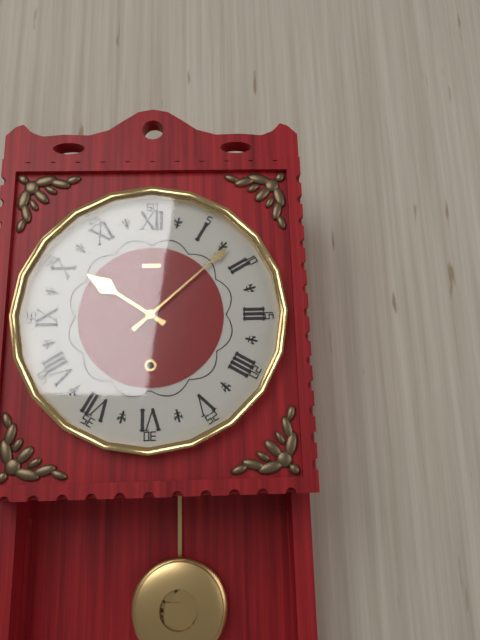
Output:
10:08
